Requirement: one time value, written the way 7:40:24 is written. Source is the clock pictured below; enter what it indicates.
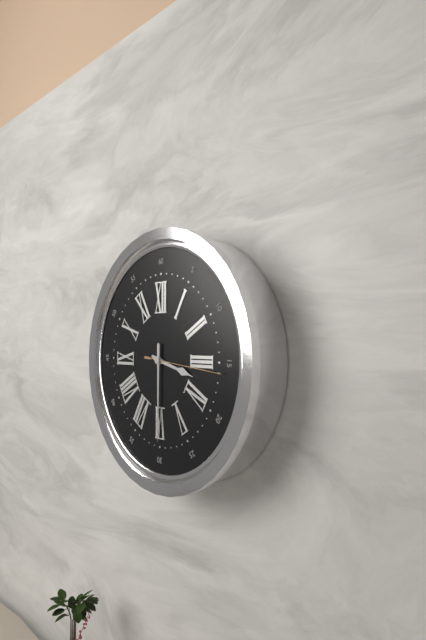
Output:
3:30:16
